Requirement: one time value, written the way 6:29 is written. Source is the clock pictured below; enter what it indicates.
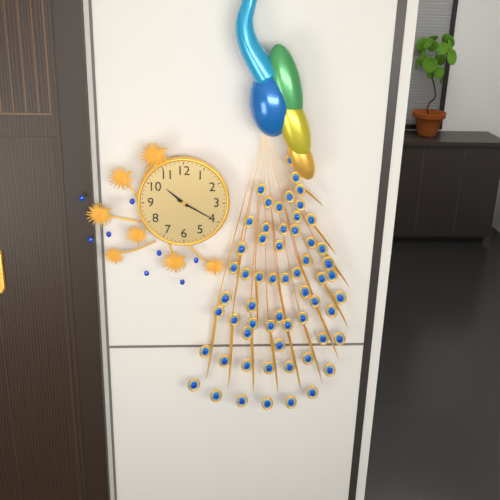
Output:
10:20
